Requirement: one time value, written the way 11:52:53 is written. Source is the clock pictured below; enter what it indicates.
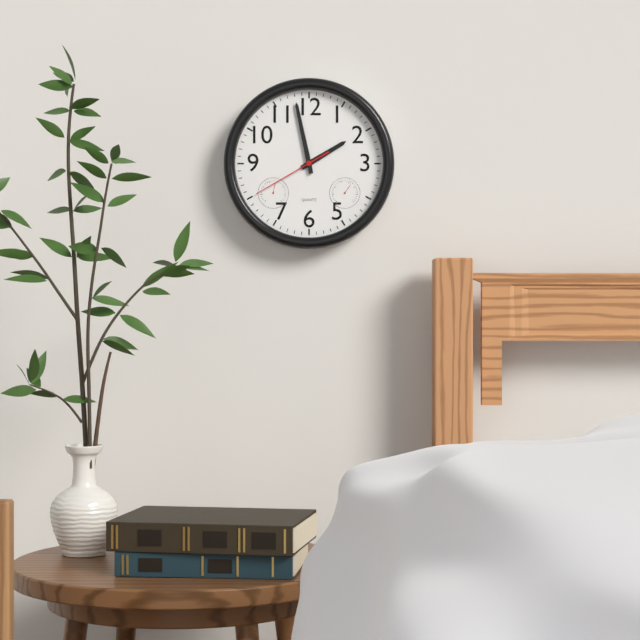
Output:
1:58:40
